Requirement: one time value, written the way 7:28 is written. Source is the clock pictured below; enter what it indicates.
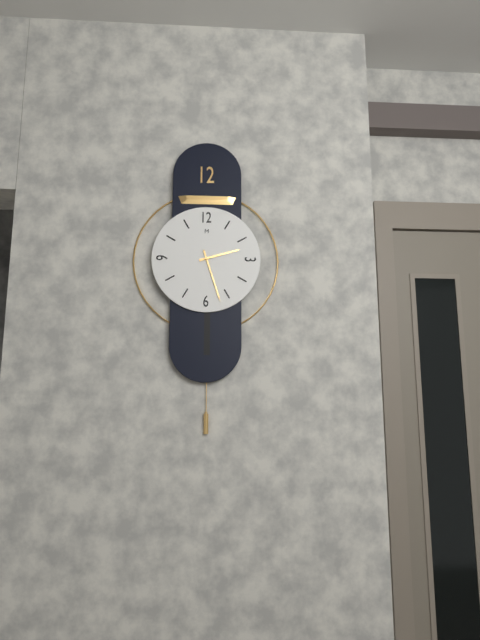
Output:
2:27
